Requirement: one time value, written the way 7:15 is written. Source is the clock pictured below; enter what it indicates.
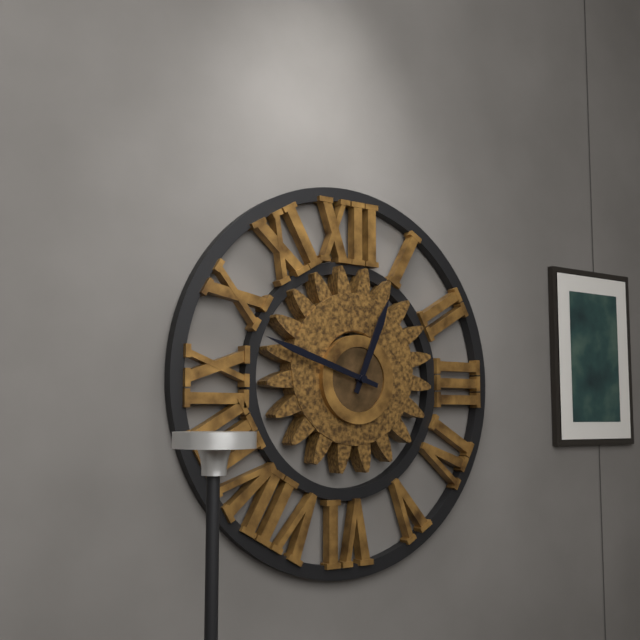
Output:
12:48
